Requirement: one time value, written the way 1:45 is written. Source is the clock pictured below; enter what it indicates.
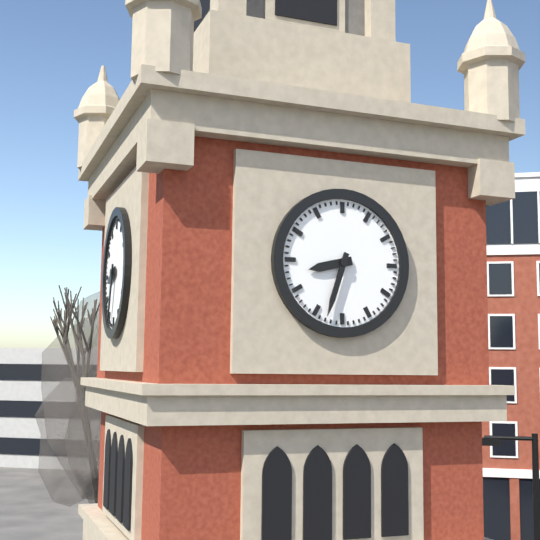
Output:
8:33
